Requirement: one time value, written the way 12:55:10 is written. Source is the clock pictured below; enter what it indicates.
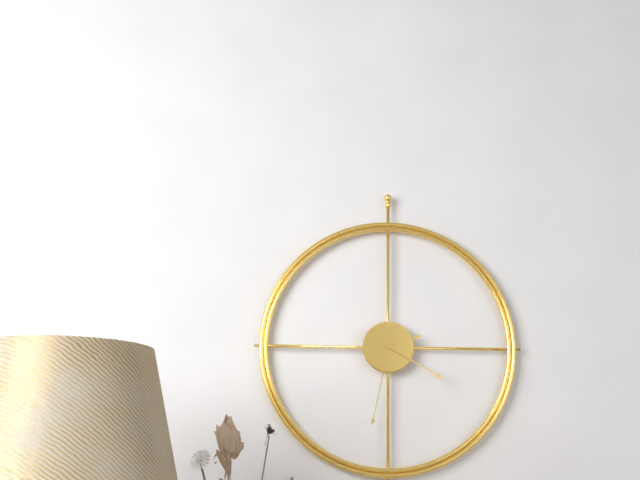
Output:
2:20:32
